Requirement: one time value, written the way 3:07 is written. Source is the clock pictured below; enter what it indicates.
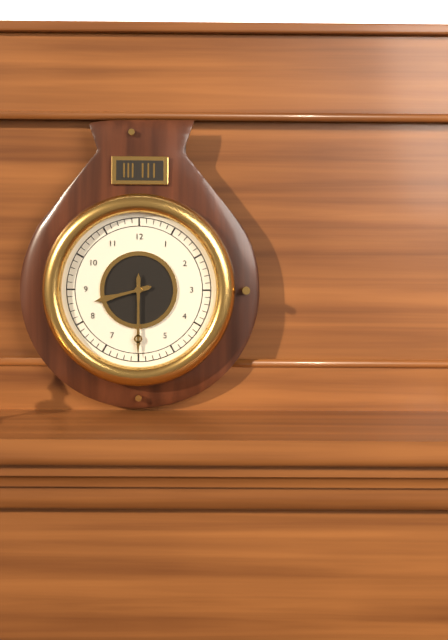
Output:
8:30
